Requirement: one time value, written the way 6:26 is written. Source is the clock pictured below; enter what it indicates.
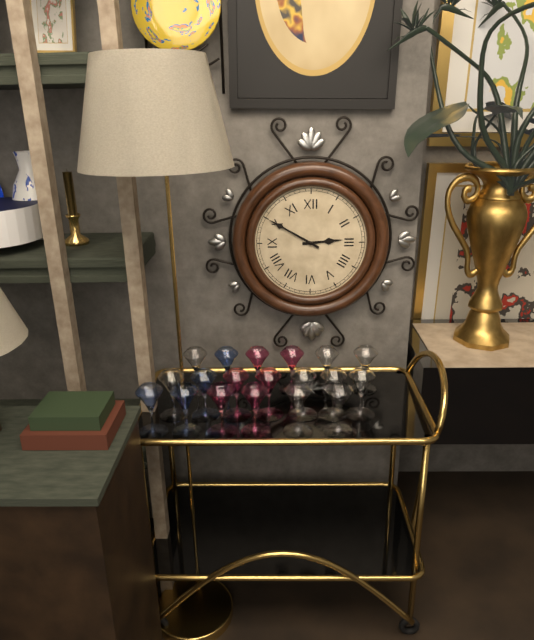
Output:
2:50
